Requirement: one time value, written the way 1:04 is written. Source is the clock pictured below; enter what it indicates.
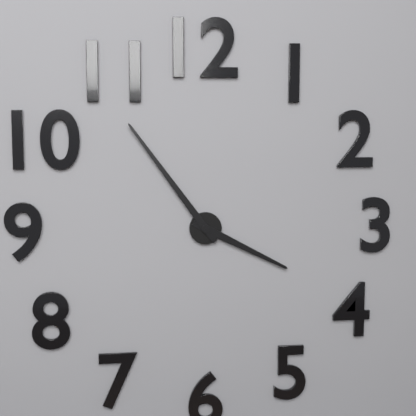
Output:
3:54
